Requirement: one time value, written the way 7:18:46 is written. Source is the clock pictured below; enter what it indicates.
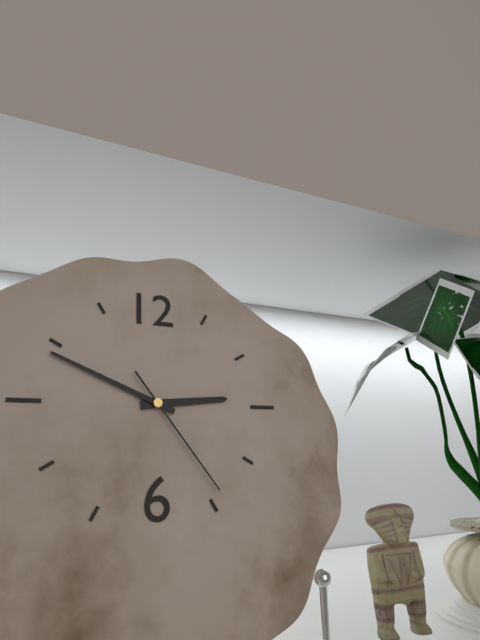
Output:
2:49:24
